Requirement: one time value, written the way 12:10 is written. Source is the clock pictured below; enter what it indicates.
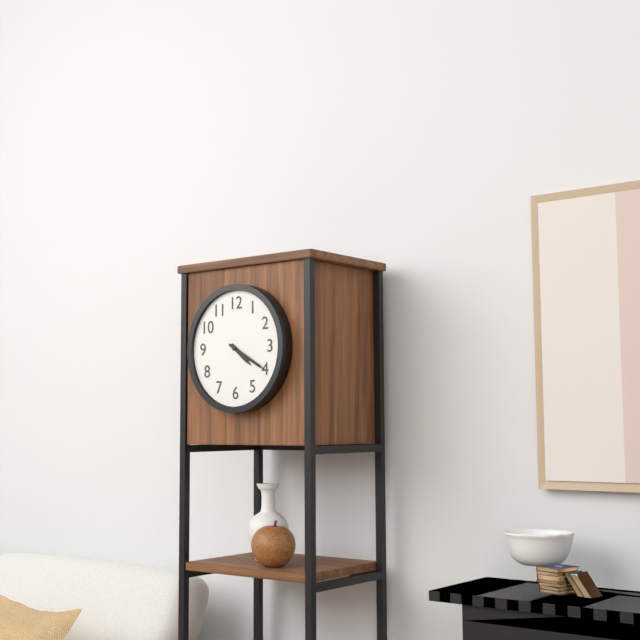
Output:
4:20
